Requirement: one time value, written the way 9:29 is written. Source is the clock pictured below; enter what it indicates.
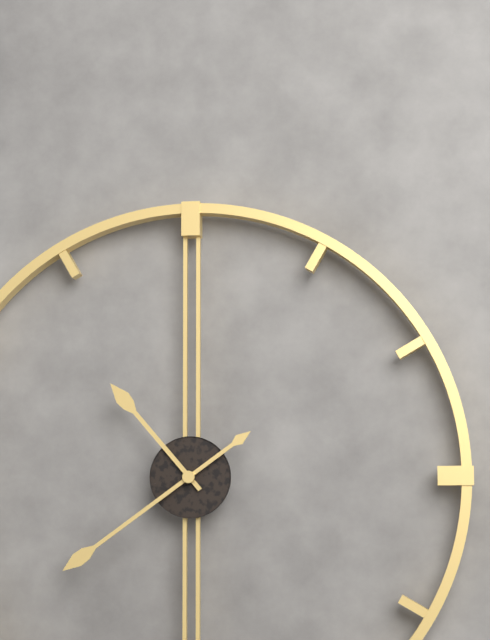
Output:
10:39
